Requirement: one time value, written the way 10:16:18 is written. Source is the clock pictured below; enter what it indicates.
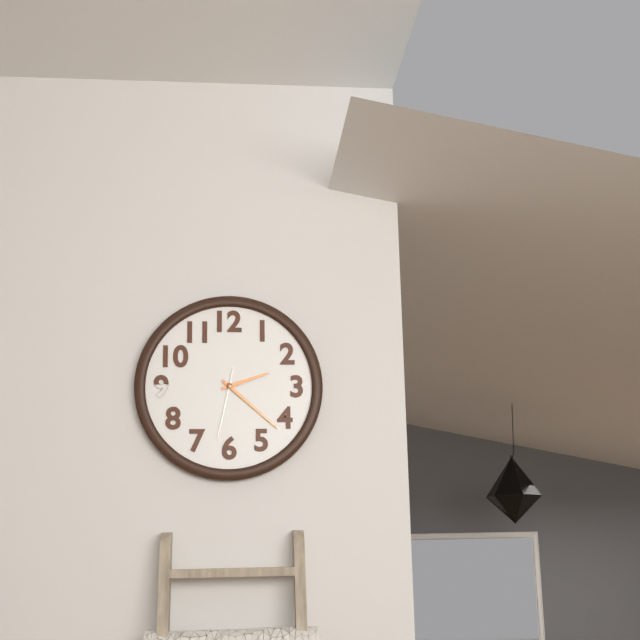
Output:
2:22:32
